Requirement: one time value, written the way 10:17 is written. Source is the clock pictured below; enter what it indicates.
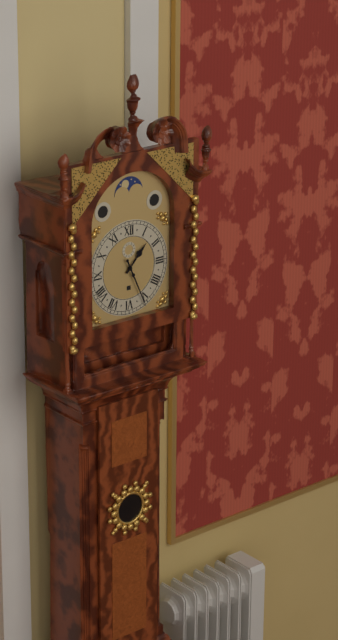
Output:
1:26
